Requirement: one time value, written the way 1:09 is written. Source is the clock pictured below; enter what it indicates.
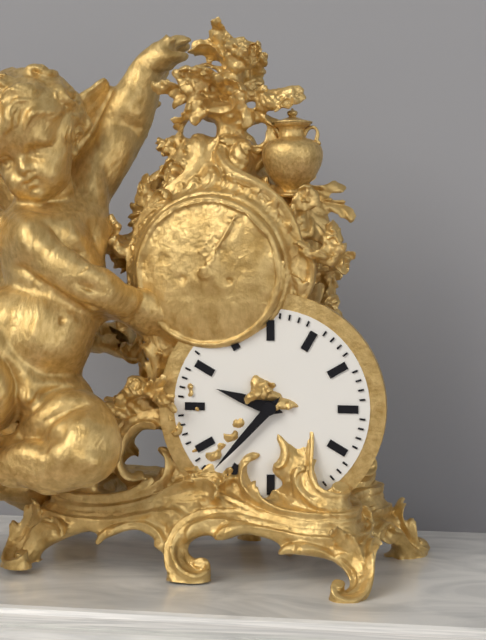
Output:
9:37
